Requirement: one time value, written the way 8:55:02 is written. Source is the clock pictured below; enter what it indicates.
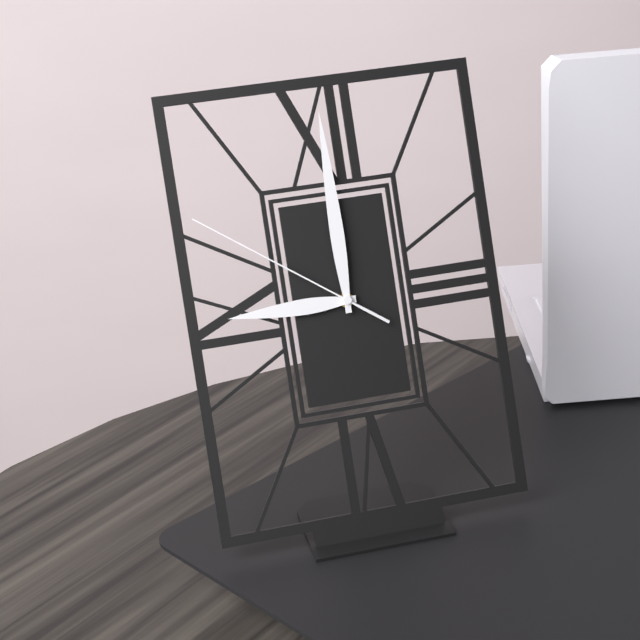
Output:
9:00:51
